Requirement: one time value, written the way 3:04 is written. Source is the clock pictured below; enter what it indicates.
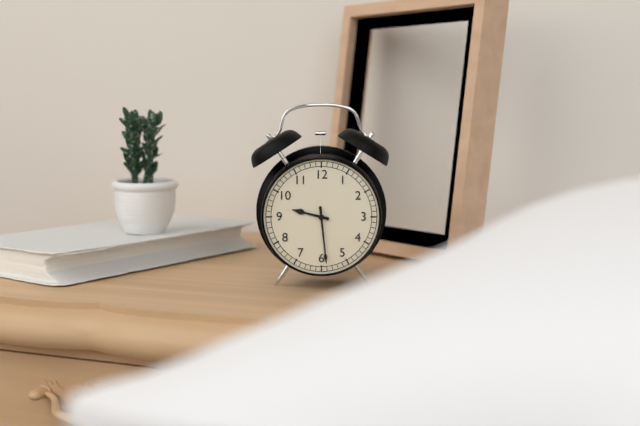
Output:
9:29
